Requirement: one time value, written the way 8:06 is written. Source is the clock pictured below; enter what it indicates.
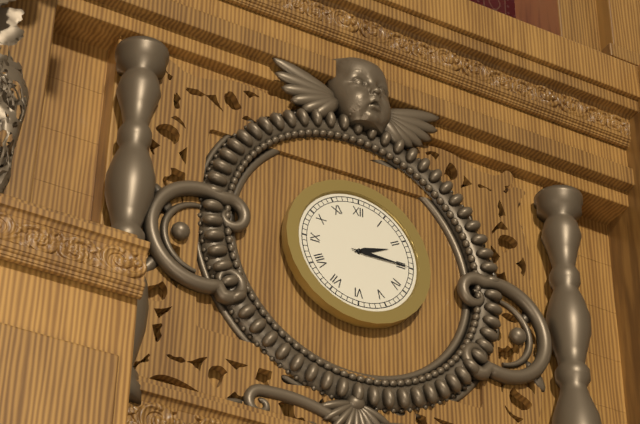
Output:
2:15
